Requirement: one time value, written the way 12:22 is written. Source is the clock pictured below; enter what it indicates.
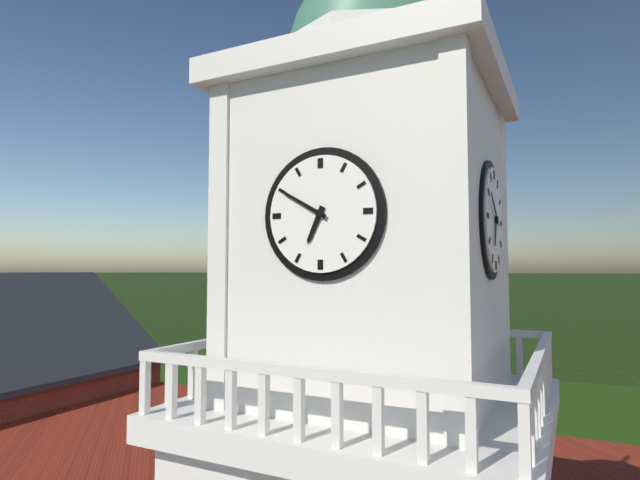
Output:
6:50
